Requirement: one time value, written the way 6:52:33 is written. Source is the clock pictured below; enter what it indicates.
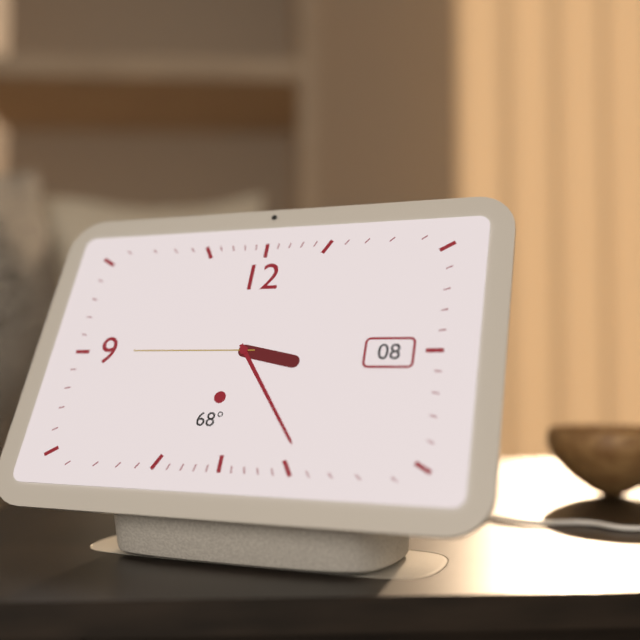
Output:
3:24:45
